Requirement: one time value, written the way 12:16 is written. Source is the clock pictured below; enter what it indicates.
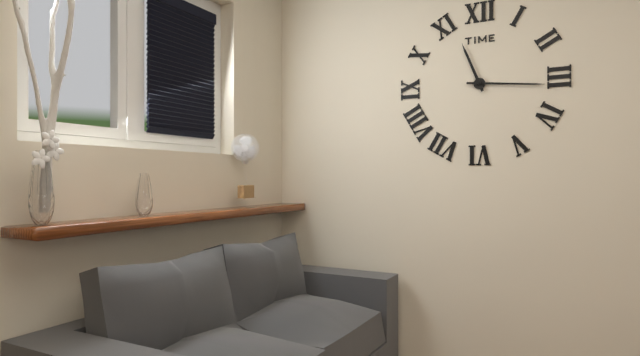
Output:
11:16
